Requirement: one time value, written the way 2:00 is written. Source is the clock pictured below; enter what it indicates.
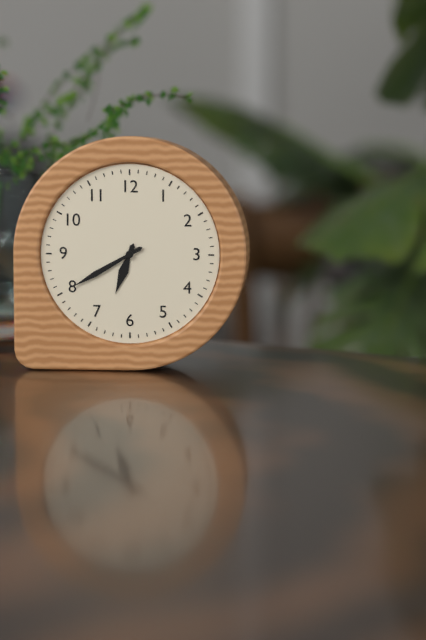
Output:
6:40
